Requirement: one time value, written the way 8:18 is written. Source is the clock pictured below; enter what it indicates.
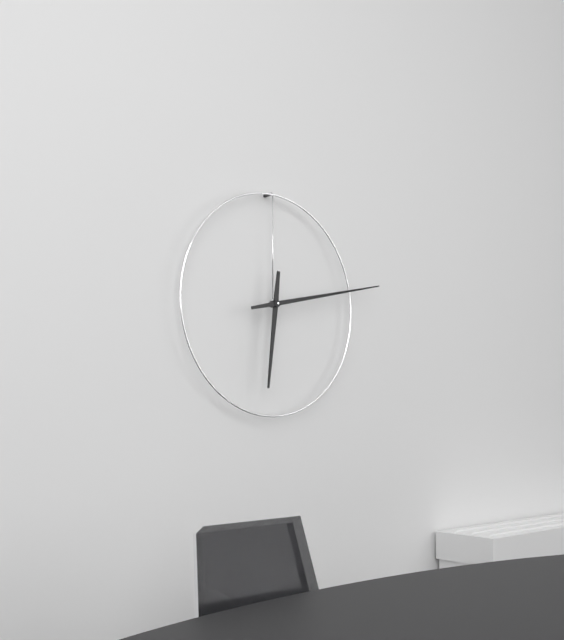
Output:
6:13
